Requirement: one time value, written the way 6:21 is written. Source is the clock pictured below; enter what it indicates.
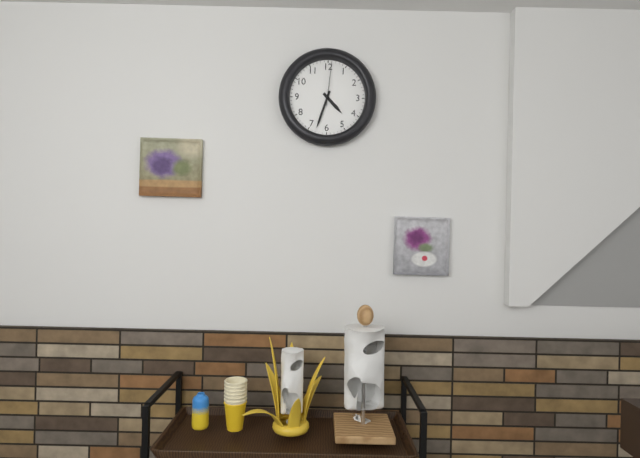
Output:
4:33
